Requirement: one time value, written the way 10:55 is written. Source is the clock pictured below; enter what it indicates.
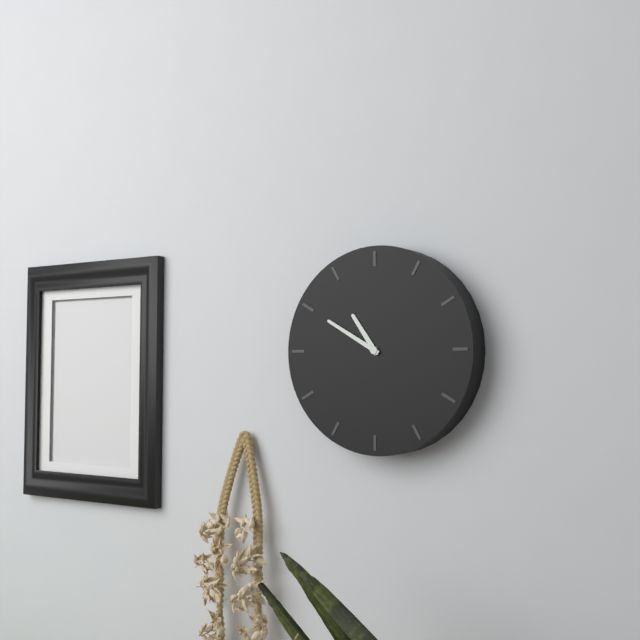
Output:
10:50
